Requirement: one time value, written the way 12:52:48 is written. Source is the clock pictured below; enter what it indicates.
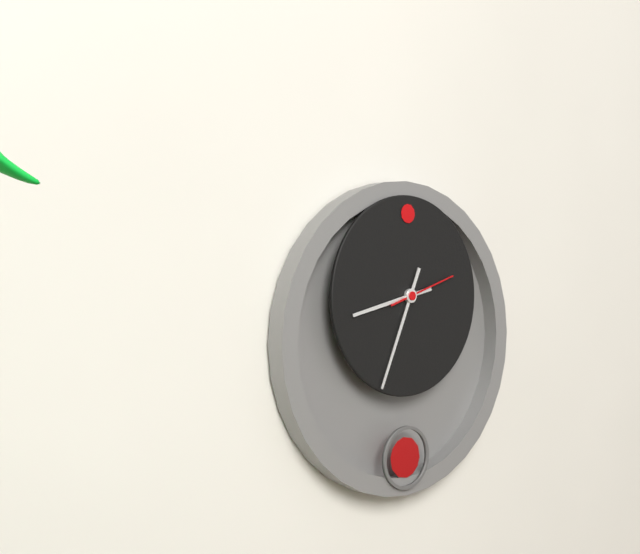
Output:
8:34:12
